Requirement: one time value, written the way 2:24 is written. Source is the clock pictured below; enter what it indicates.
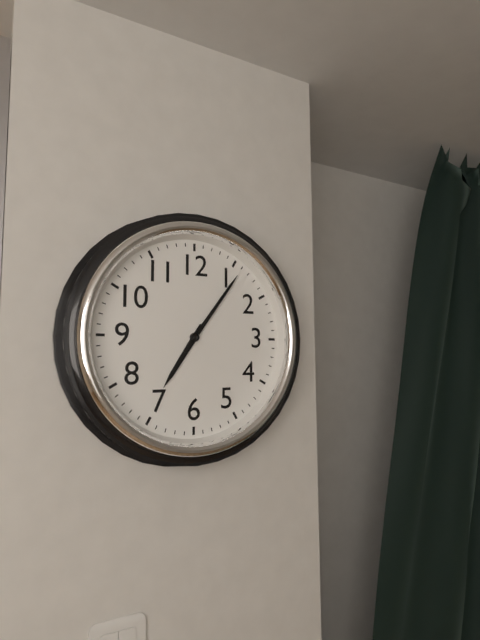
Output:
7:06
